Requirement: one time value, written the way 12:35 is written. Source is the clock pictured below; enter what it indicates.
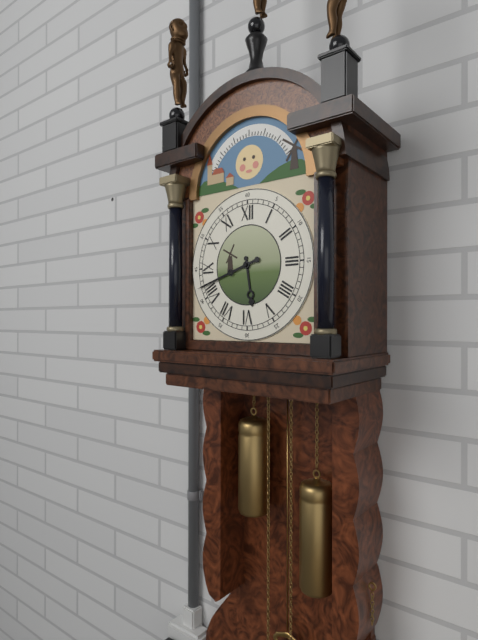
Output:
5:42
